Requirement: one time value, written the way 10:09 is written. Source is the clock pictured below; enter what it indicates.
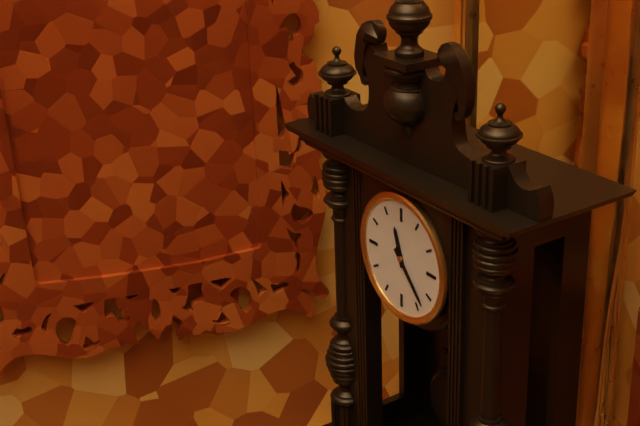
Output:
11:23
